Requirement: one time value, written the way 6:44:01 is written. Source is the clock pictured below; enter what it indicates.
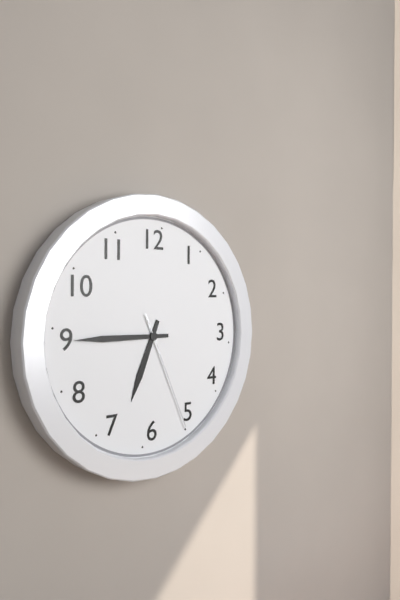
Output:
6:45:26
